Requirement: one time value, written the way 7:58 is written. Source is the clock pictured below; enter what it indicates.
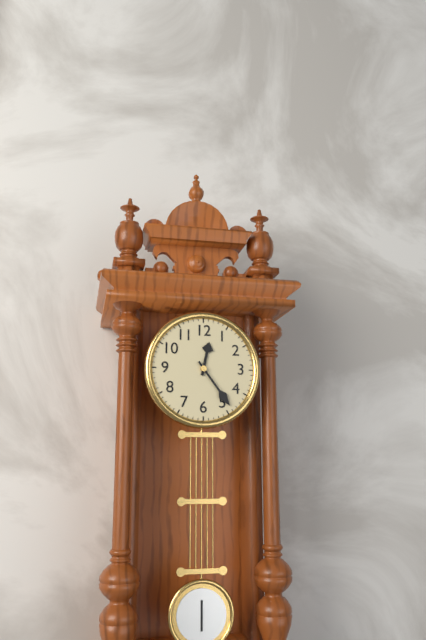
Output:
12:24
